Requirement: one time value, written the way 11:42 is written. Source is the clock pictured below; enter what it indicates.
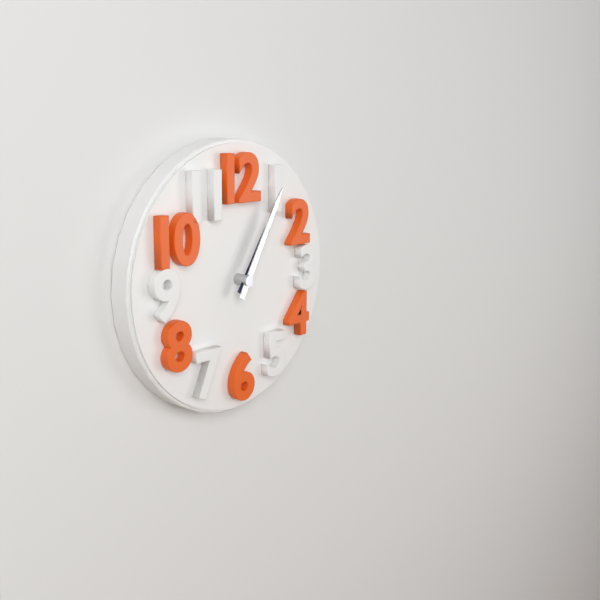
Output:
1:05
